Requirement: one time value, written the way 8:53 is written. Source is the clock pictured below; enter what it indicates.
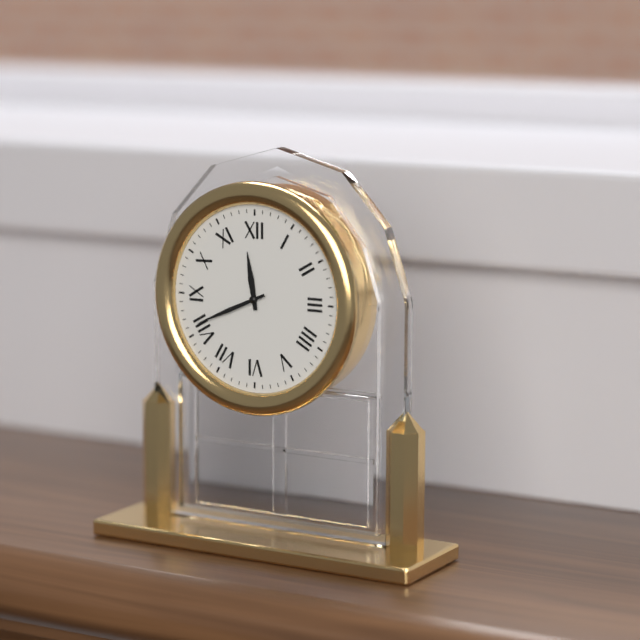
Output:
11:41
